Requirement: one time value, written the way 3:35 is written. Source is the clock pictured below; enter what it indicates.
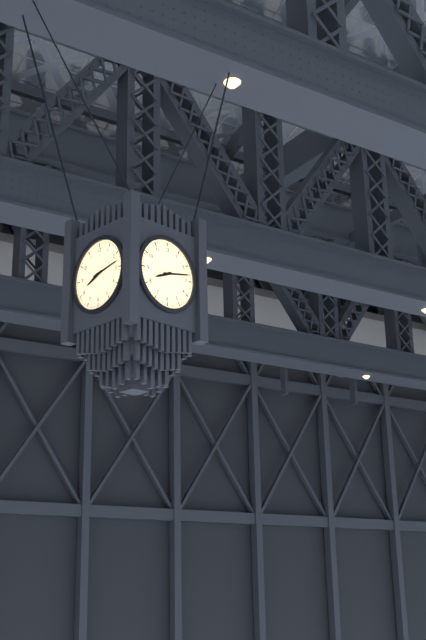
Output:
8:13
